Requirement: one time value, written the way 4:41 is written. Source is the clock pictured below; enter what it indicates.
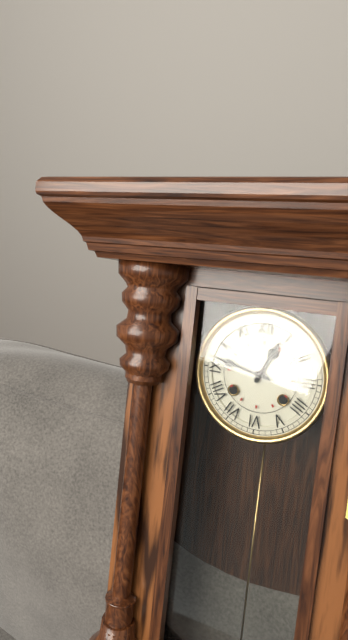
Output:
12:47
